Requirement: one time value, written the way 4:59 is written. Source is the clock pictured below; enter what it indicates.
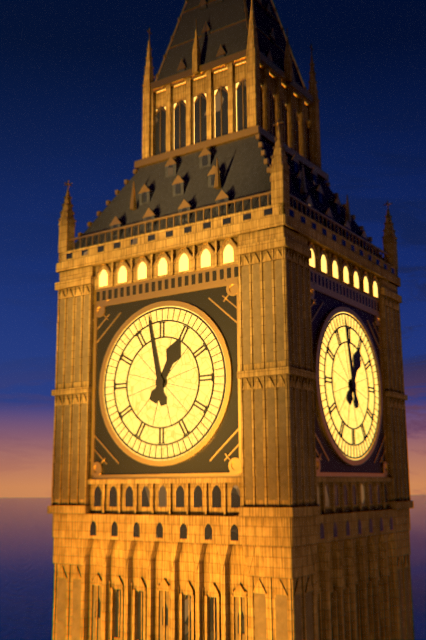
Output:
12:58
